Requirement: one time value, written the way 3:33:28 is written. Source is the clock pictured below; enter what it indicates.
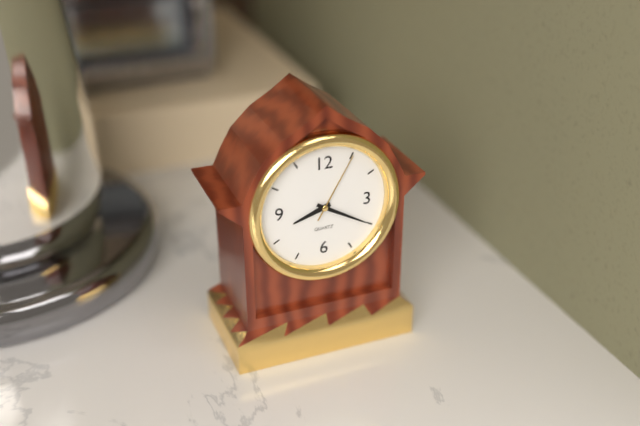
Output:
8:20:05
